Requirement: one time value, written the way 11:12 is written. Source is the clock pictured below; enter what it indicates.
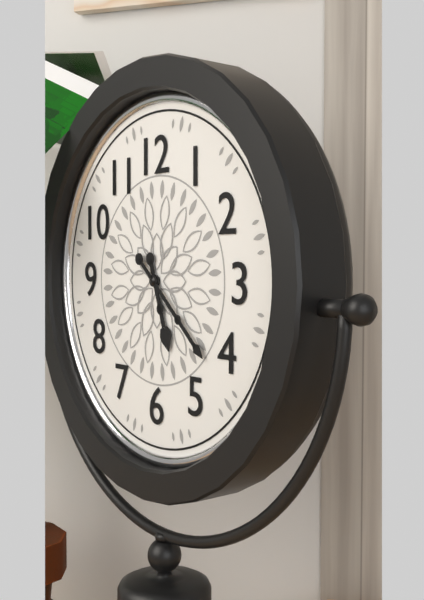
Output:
5:22
